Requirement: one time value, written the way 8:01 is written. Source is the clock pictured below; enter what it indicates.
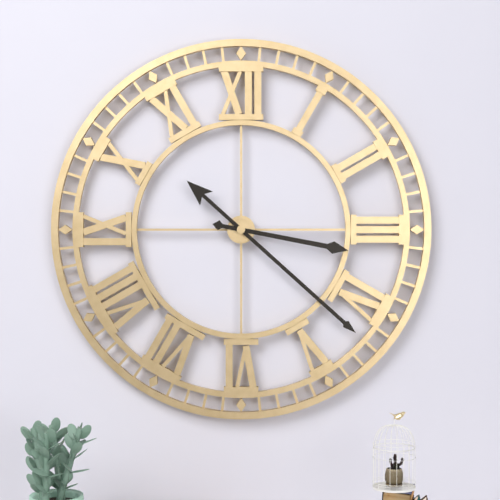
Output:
3:22
